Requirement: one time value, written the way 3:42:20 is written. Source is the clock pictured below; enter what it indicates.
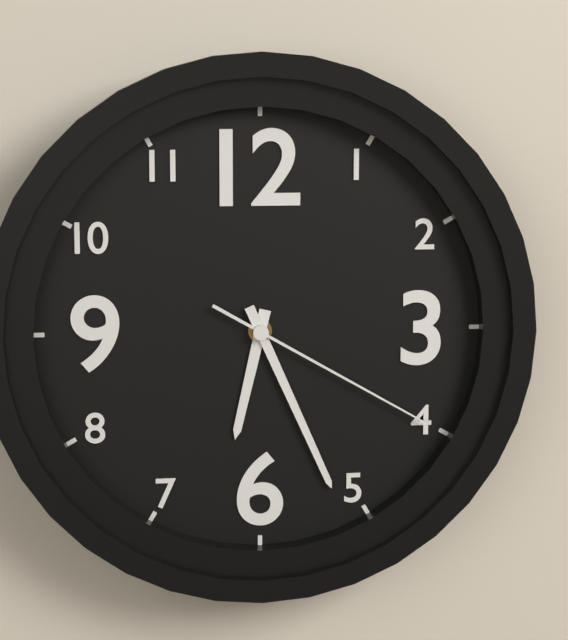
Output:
6:26:20
